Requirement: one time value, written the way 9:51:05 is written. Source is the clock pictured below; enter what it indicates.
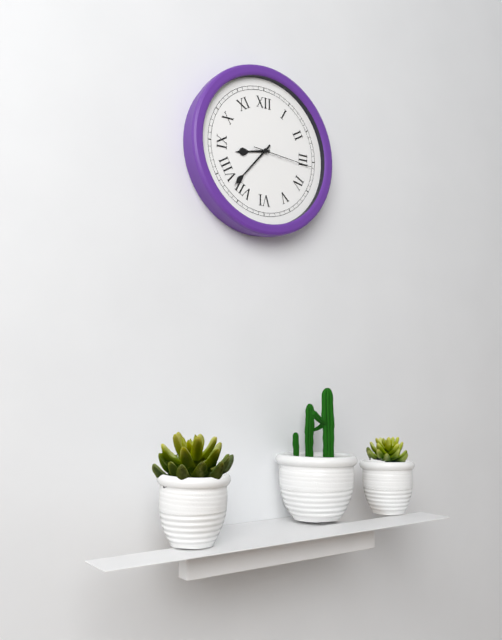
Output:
8:37:16
